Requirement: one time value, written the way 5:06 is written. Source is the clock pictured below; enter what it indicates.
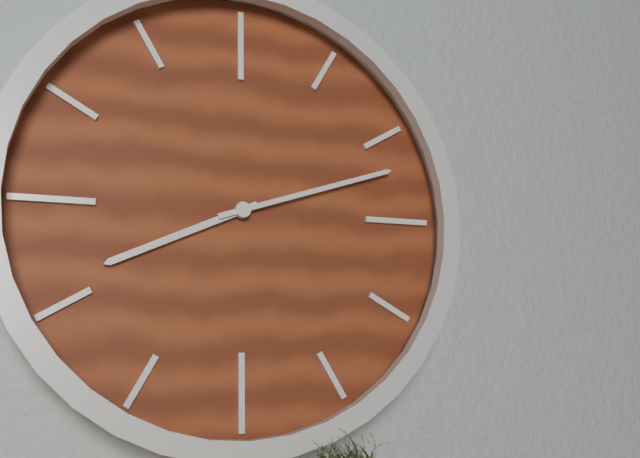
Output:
8:12
